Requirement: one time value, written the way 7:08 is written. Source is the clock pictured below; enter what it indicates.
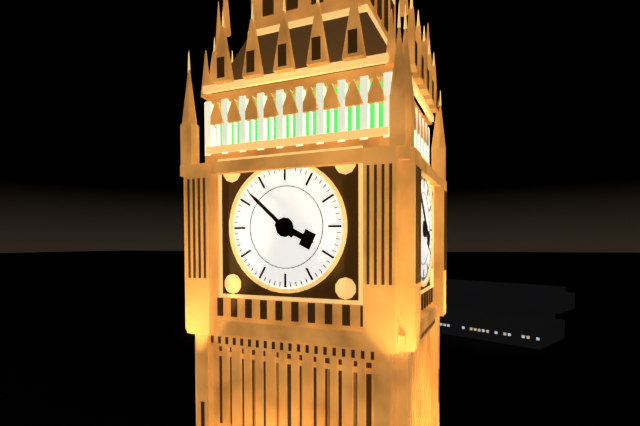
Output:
3:52
